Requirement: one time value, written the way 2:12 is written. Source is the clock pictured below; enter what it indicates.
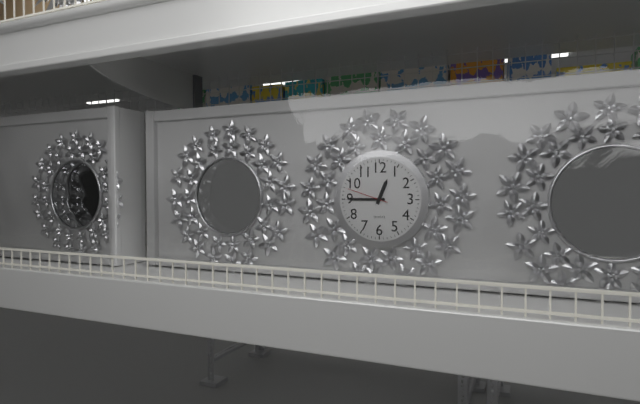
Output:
12:45
